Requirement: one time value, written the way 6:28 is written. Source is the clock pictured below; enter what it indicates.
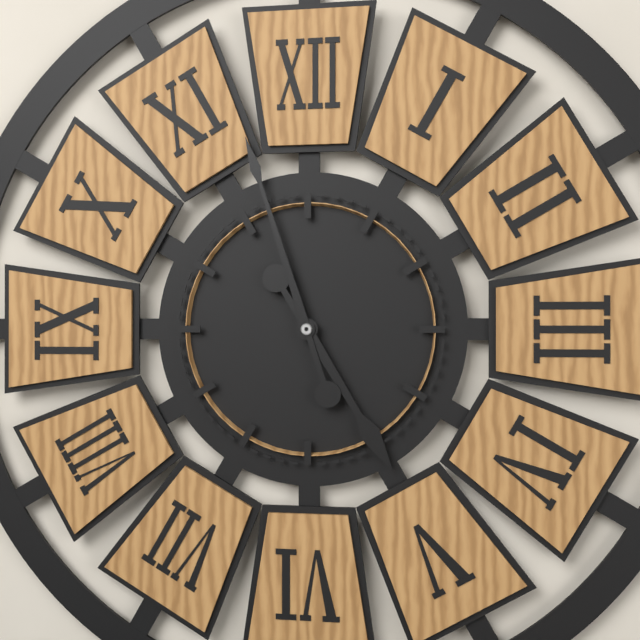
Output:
4:57
